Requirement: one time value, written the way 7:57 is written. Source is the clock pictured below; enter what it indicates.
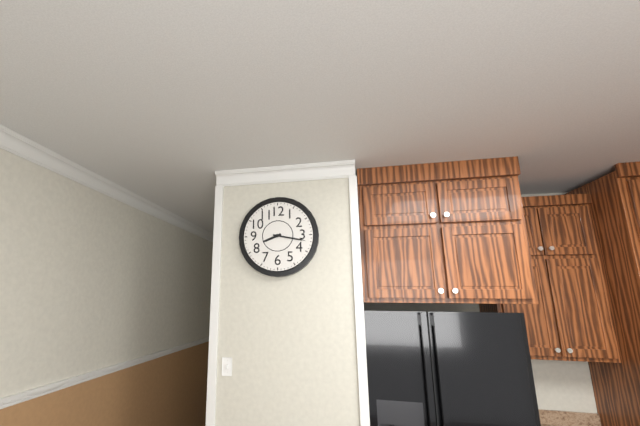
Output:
8:17
